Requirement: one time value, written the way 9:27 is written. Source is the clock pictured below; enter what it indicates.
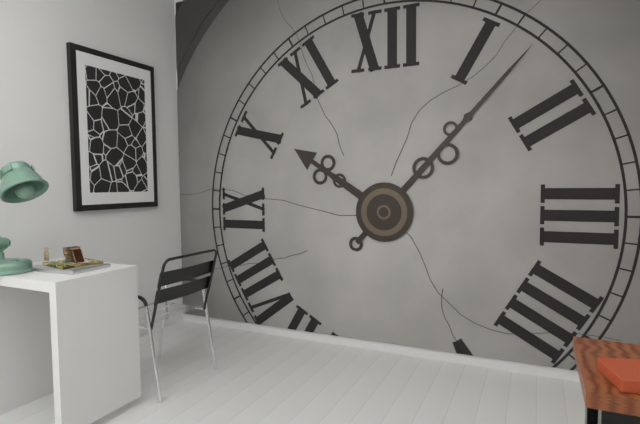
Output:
10:07
